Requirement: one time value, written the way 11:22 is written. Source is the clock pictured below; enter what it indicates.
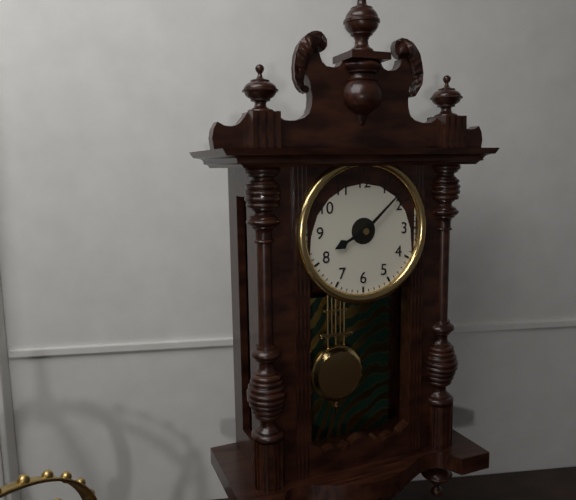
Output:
8:08
